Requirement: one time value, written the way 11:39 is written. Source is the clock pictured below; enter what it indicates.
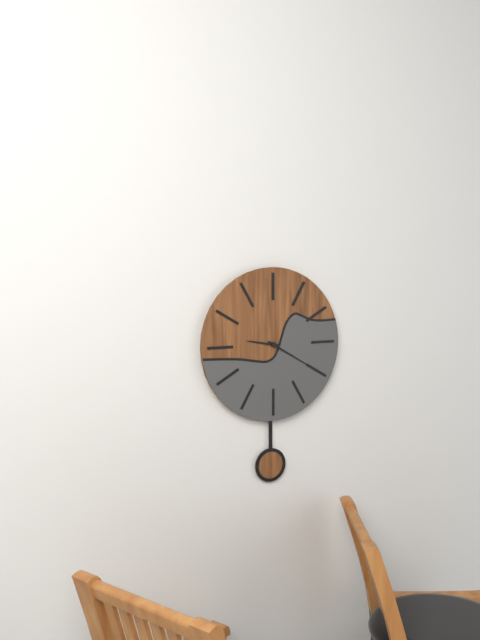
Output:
9:20
